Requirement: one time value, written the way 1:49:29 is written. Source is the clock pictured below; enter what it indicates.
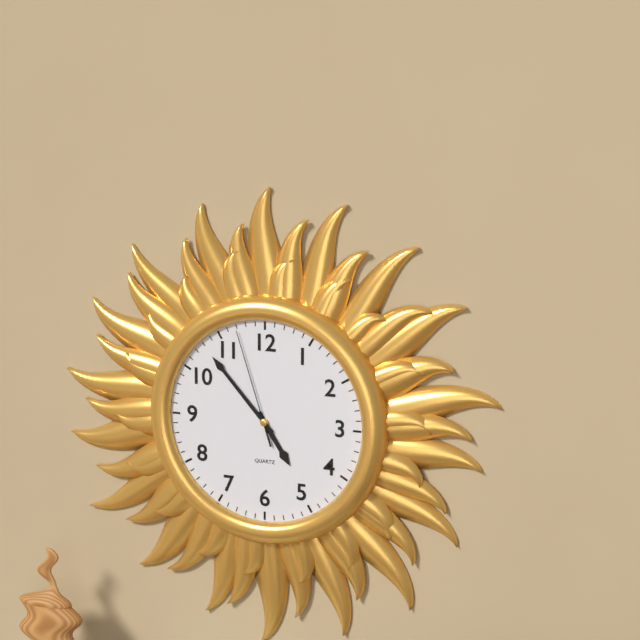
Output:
4:53:57
